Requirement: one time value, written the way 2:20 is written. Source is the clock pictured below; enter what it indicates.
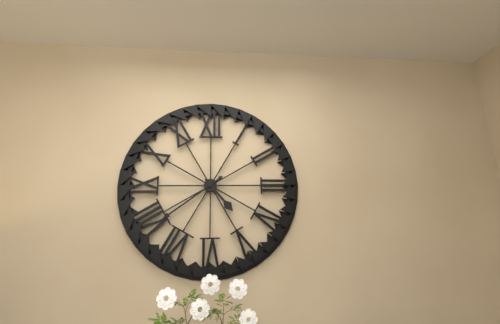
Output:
4:39
